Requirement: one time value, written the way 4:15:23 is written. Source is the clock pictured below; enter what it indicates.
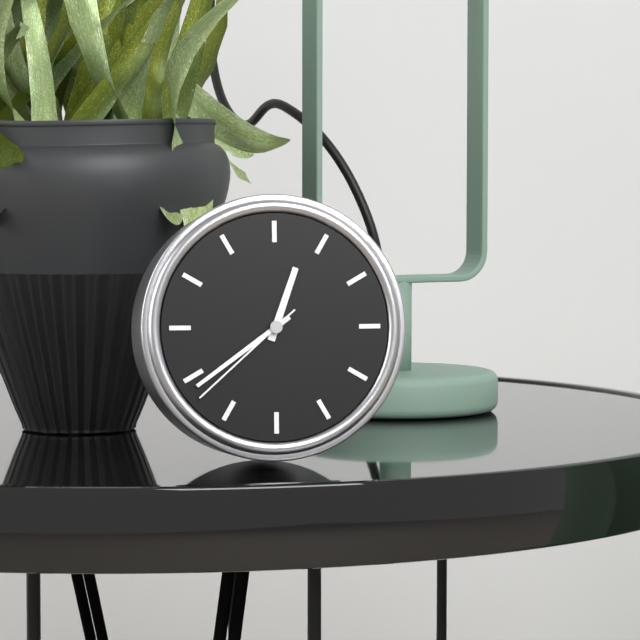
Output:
12:39:38
